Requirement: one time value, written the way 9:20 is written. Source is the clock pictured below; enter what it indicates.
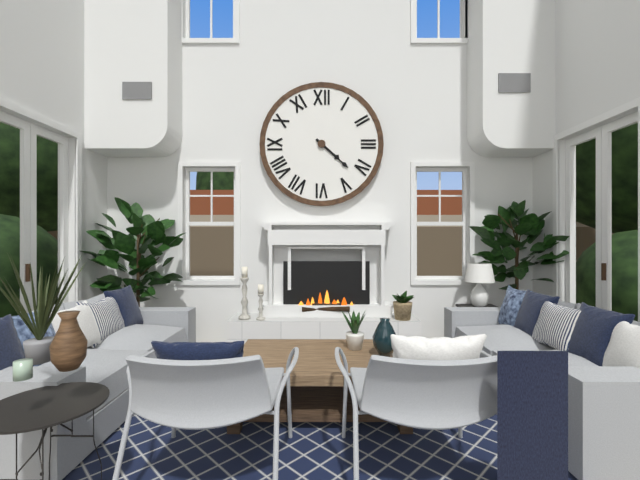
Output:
4:22
